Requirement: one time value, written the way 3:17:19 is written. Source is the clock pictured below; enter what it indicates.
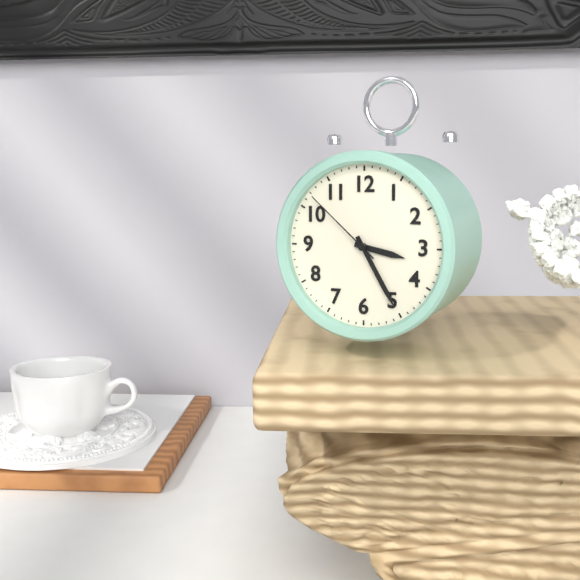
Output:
3:25:52
